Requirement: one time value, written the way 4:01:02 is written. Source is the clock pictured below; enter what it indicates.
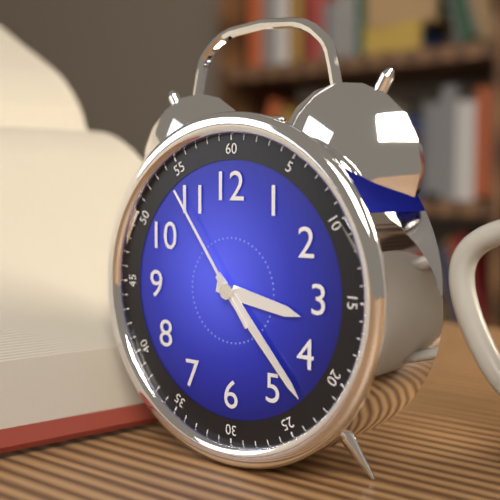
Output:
3:23:54
